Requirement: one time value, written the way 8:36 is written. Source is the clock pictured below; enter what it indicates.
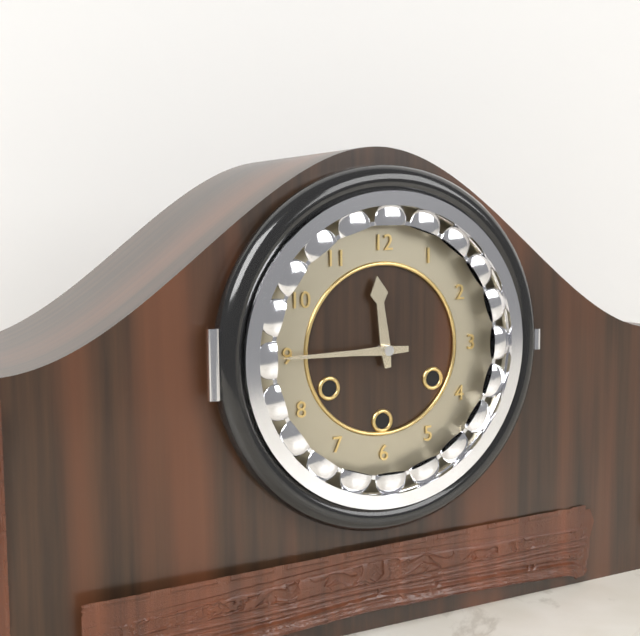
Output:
11:45
